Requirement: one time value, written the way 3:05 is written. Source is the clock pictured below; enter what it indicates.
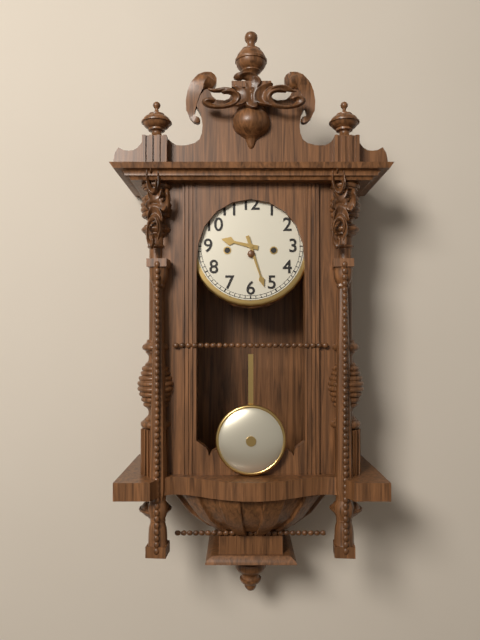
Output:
9:27
